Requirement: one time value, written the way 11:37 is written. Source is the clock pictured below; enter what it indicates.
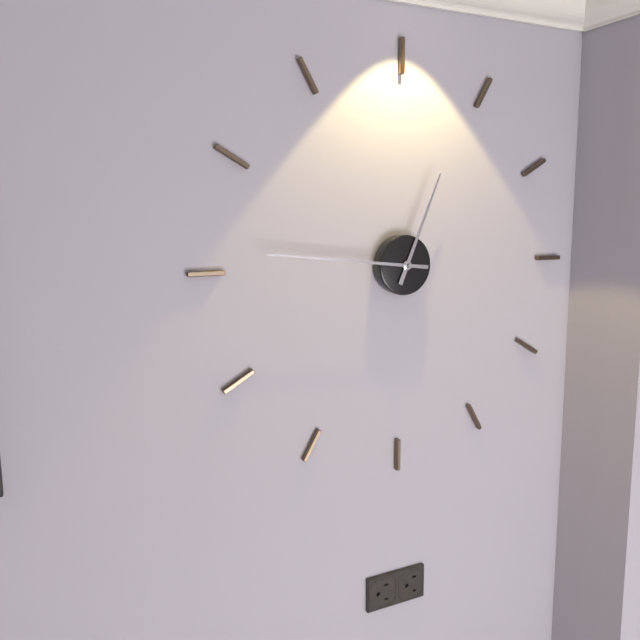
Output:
12:46
